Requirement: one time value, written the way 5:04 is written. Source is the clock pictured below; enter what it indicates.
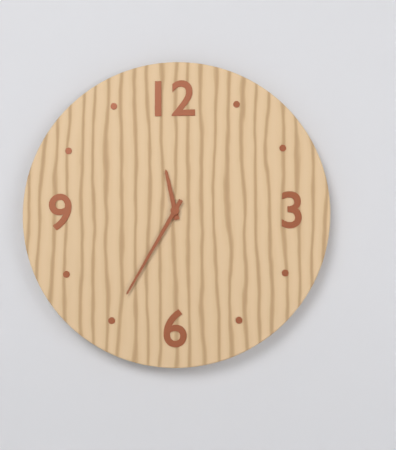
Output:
11:35
